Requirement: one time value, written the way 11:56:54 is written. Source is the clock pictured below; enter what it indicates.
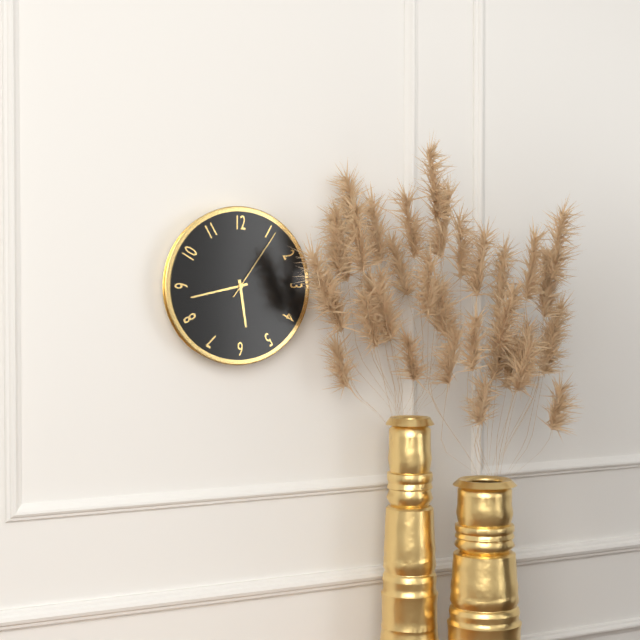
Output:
5:43:06
